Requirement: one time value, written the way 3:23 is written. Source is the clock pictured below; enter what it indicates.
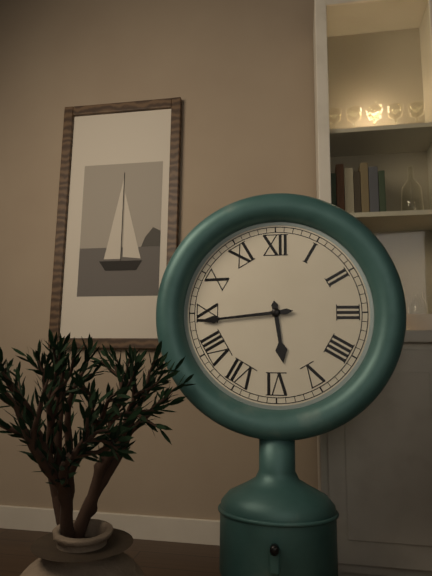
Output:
5:44
